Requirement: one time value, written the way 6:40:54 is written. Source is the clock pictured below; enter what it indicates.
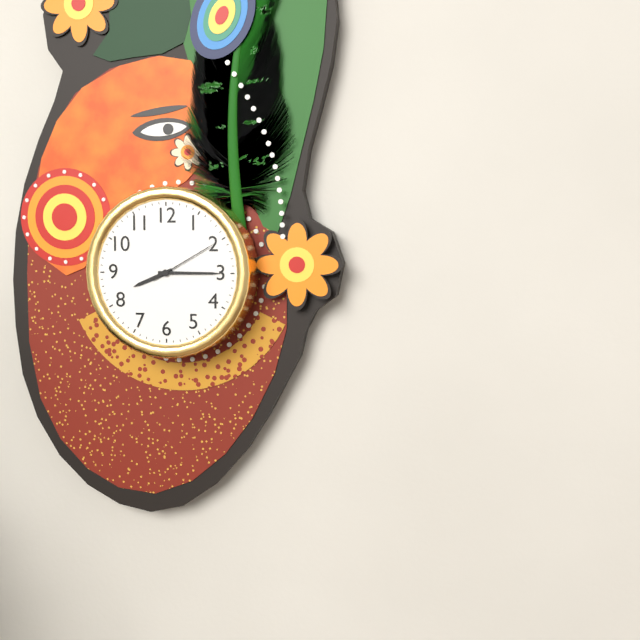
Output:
8:15:10
